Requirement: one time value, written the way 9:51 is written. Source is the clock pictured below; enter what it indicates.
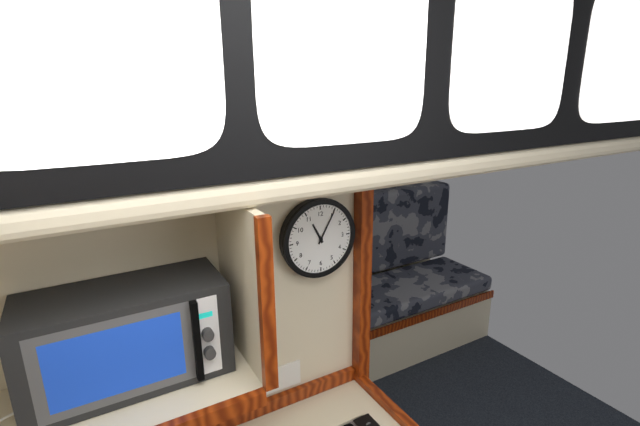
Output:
11:05
